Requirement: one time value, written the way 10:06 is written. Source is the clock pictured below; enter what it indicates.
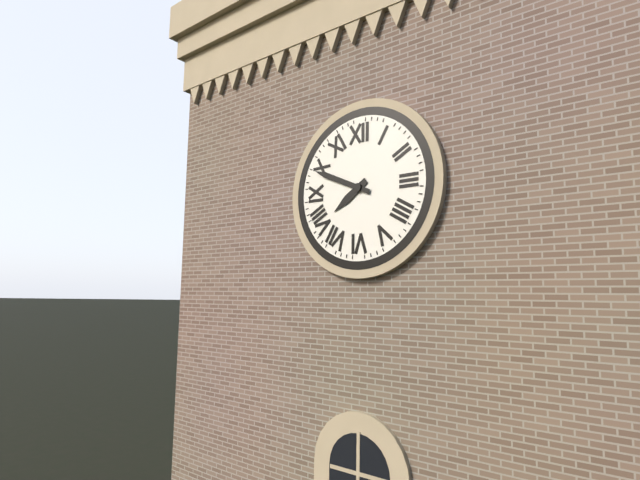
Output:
7:49
